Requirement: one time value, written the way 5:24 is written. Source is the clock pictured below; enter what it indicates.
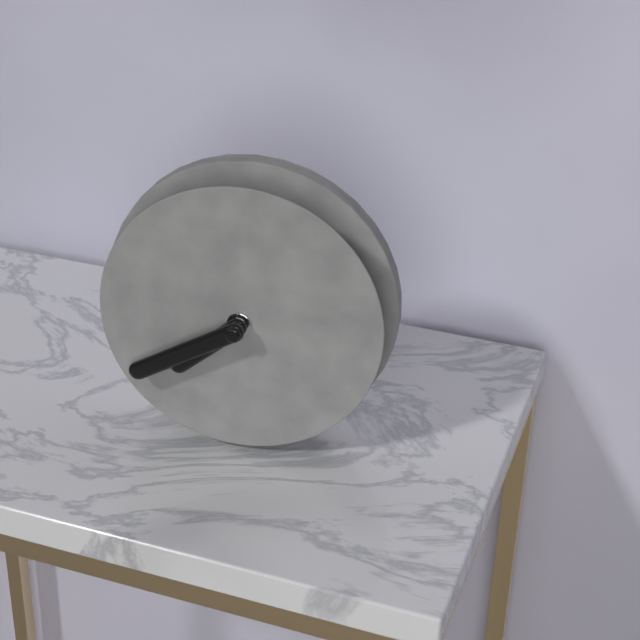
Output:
7:40
